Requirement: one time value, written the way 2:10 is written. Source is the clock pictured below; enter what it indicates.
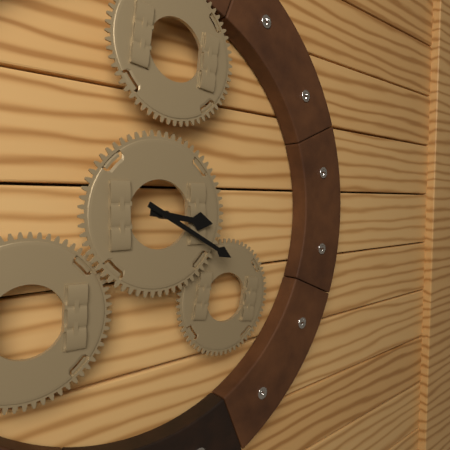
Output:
3:20
